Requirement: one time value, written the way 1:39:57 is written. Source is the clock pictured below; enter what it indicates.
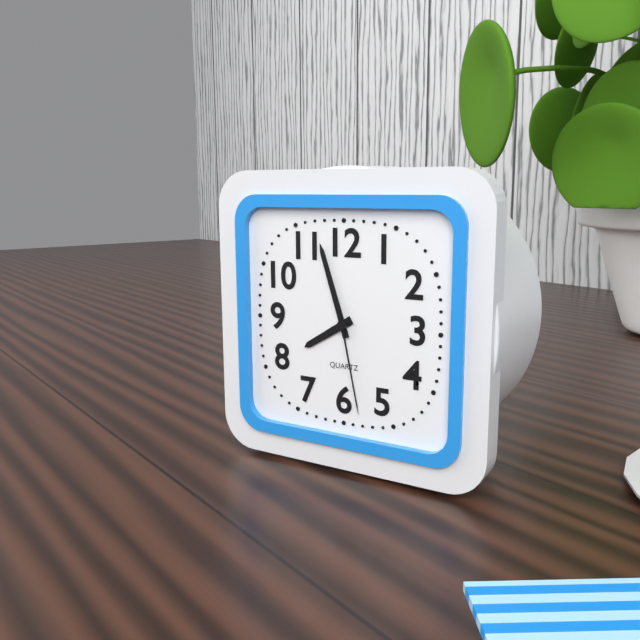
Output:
7:57:28
